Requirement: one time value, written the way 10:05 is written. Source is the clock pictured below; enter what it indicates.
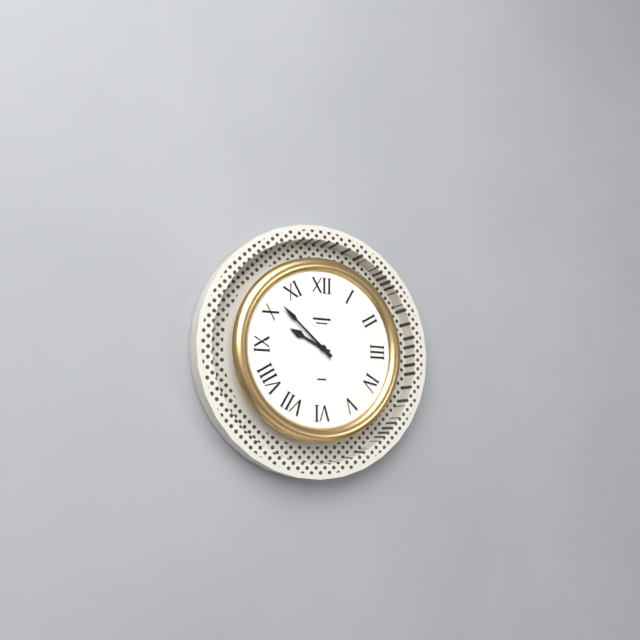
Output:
9:52
